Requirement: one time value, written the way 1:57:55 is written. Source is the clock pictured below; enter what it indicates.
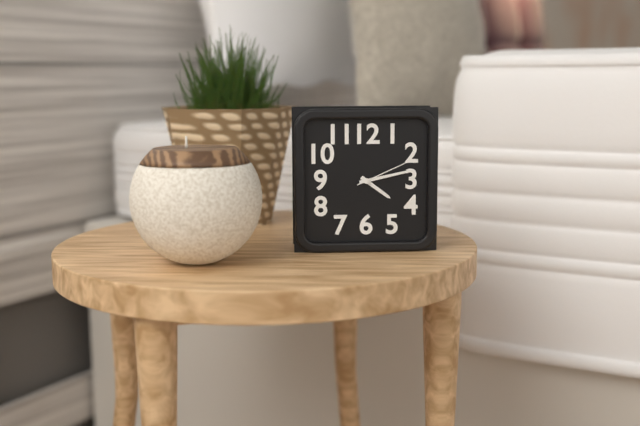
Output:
4:13:11
